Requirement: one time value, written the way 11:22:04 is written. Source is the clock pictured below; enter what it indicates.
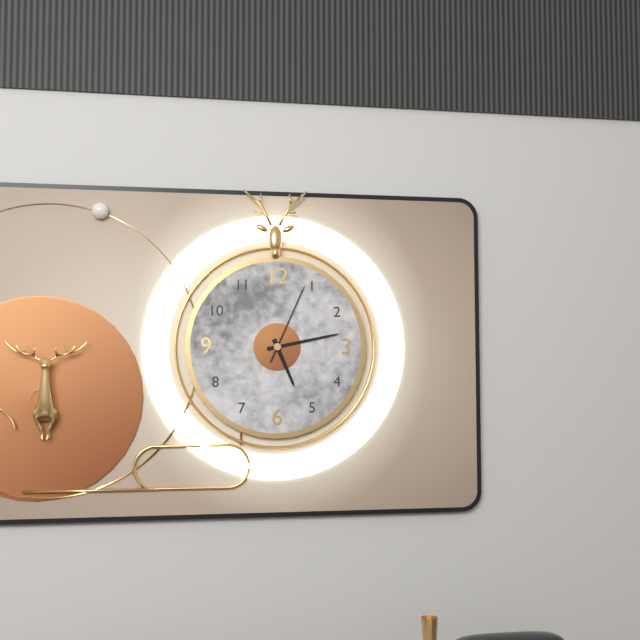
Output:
5:13:04
